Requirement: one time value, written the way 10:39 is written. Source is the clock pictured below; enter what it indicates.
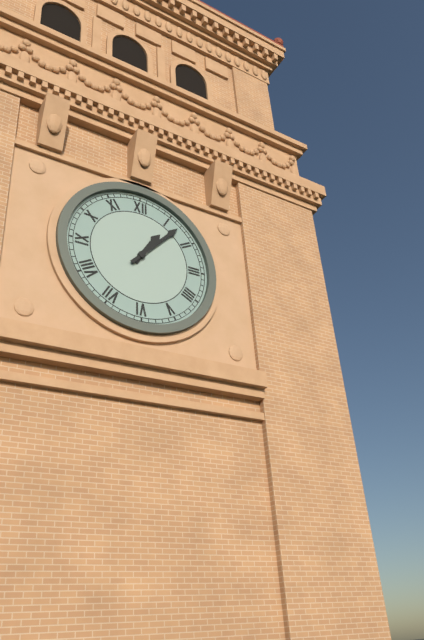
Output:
1:07
